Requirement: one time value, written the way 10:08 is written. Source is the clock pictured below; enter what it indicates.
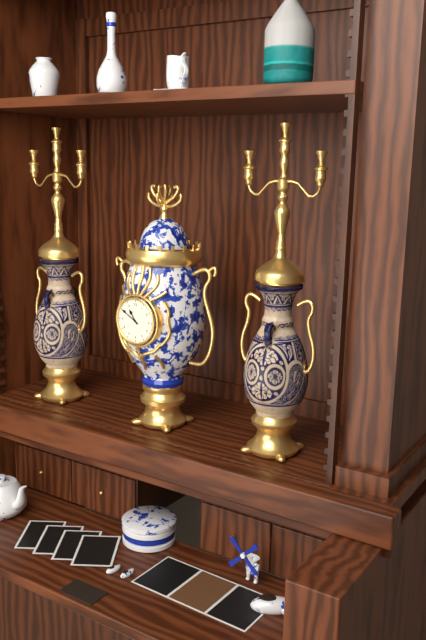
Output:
10:50
